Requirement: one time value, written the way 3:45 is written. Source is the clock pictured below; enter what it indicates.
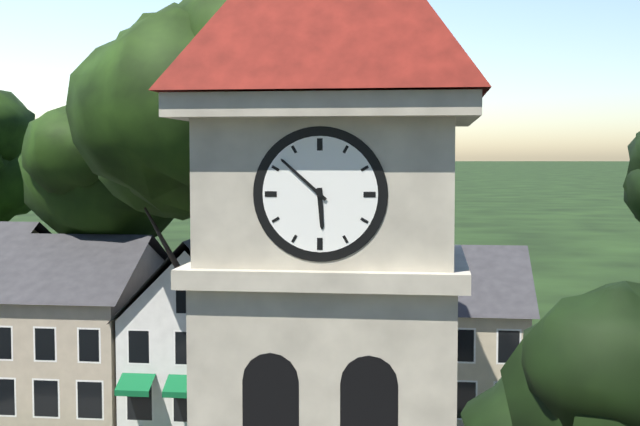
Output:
5:52
